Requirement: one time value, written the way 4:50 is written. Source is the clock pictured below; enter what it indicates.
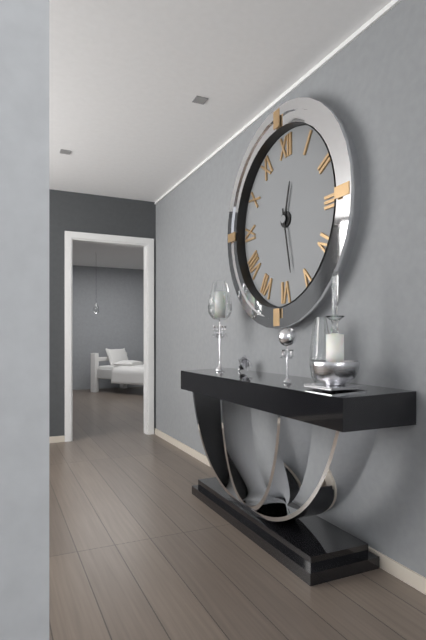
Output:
12:28
